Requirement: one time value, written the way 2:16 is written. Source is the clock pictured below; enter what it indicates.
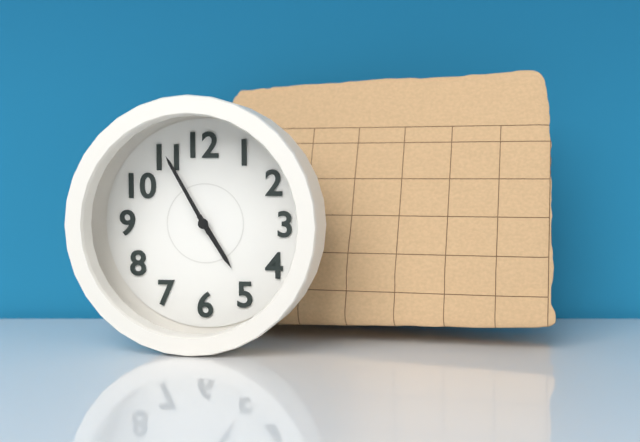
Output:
4:55
